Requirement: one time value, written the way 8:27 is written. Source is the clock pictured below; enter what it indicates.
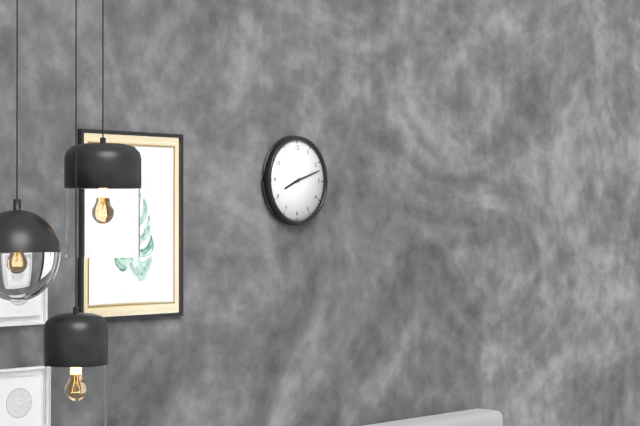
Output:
8:12
